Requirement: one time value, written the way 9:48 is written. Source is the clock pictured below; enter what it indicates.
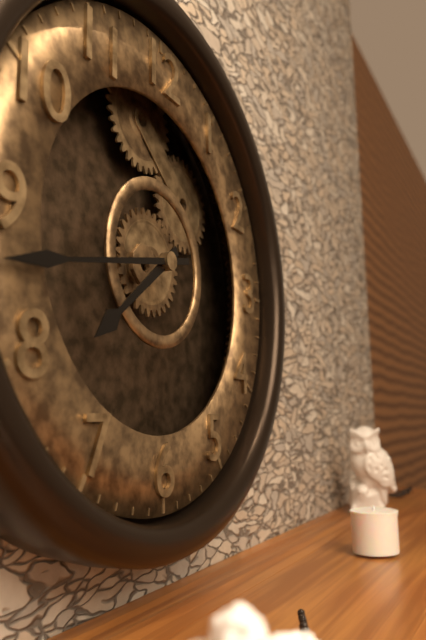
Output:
7:43
